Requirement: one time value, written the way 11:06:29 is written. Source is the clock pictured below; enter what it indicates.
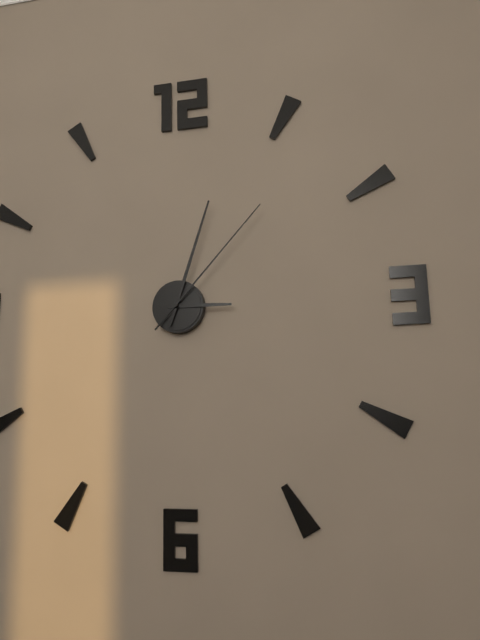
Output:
3:03:07
